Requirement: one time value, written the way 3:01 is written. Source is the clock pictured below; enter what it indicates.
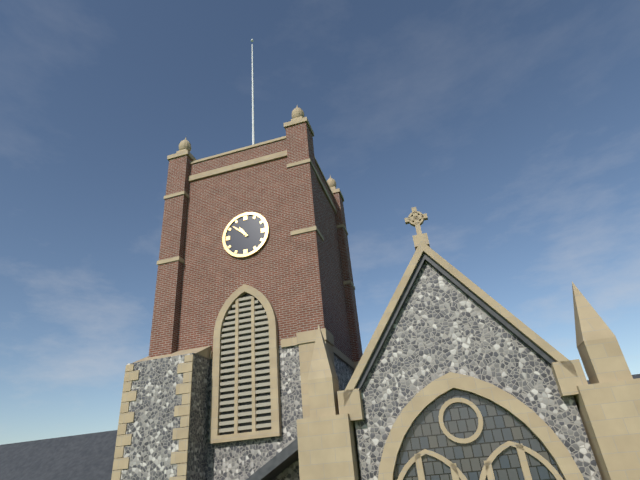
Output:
10:52
